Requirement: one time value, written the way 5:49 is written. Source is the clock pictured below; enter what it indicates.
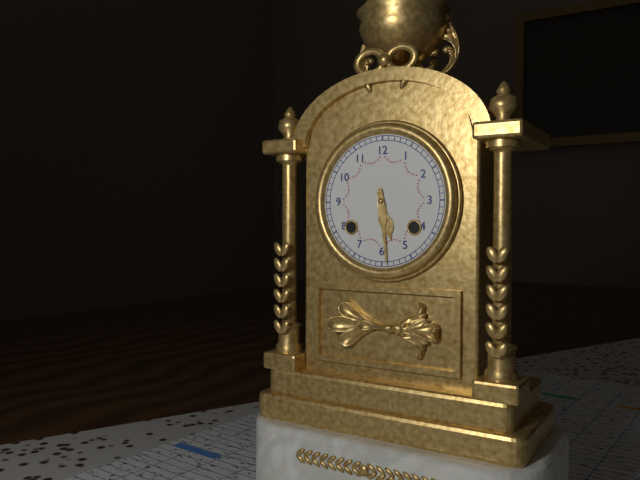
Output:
5:29
